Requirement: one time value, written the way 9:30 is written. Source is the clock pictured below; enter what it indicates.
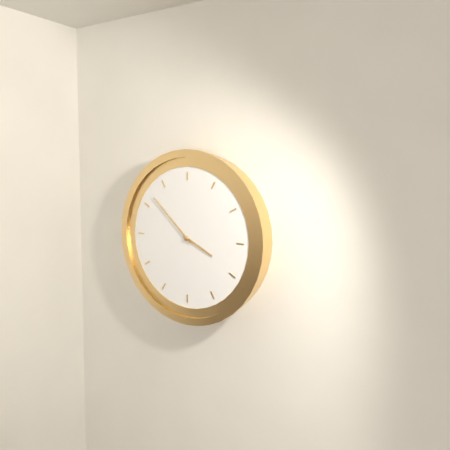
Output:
3:52
